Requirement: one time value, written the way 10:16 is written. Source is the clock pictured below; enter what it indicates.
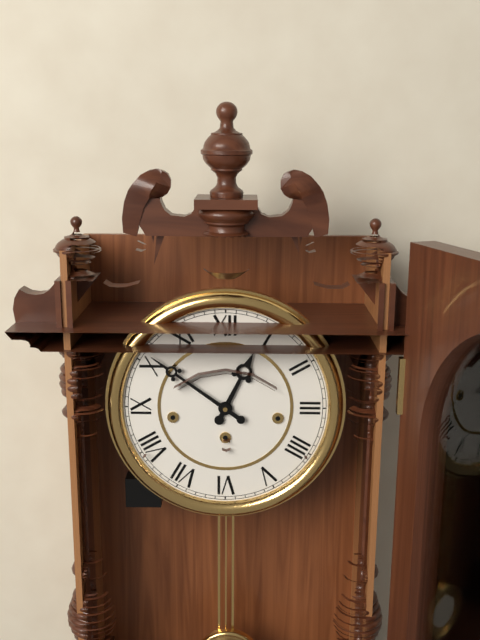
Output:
12:51
